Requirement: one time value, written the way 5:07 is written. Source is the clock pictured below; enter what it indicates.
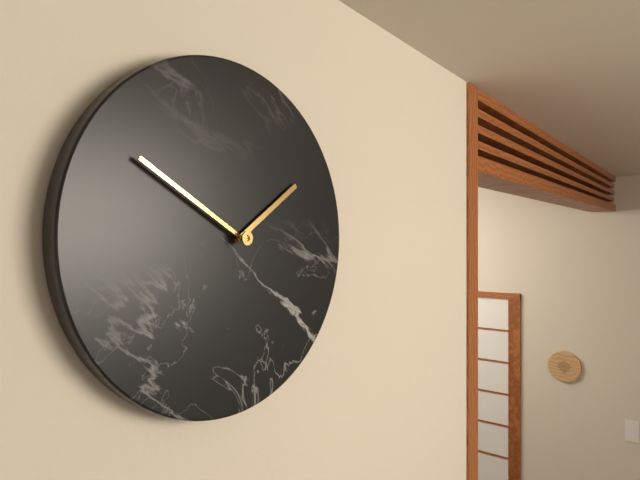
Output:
1:50
